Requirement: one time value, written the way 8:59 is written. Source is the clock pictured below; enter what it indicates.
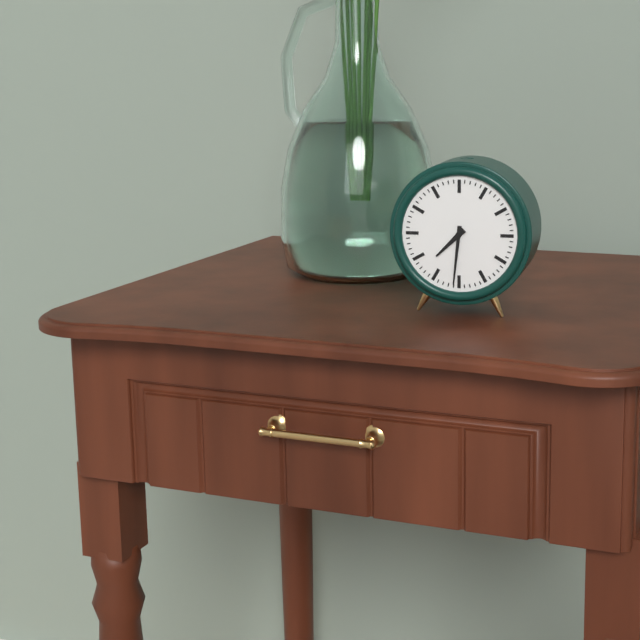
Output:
7:31
